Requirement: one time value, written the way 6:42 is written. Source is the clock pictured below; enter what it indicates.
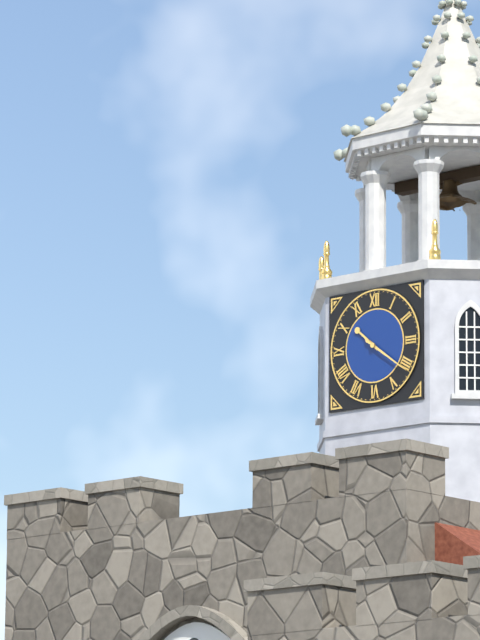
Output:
10:21
